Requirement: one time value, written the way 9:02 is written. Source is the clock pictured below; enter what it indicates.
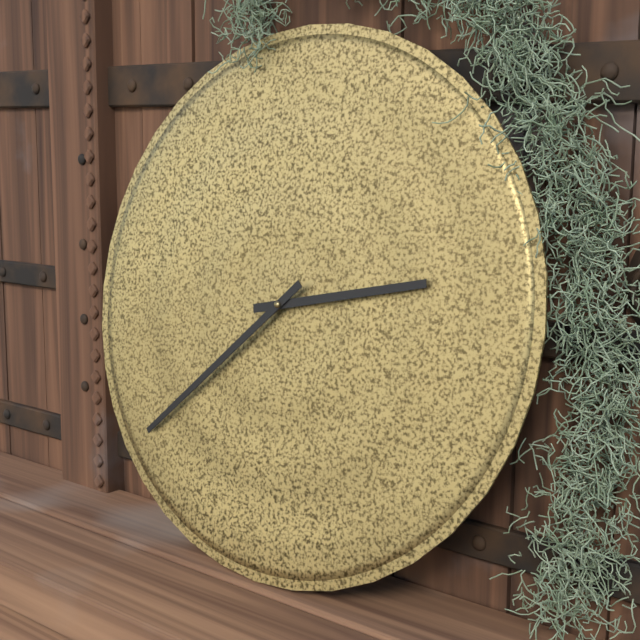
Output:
2:38
